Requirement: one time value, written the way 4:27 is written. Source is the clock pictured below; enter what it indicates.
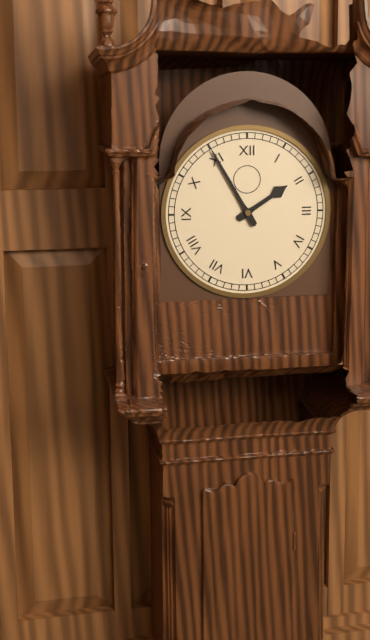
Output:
1:55
